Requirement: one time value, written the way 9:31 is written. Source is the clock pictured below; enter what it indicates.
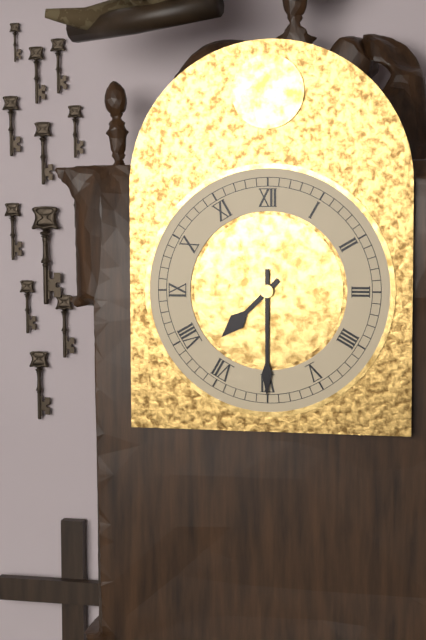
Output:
7:30
